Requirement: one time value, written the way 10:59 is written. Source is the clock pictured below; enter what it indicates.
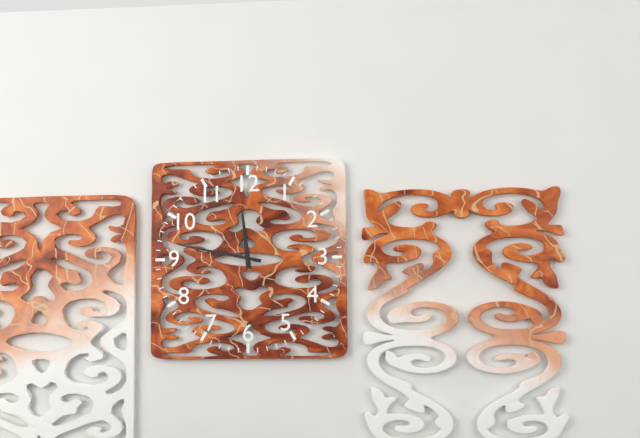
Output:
11:47
